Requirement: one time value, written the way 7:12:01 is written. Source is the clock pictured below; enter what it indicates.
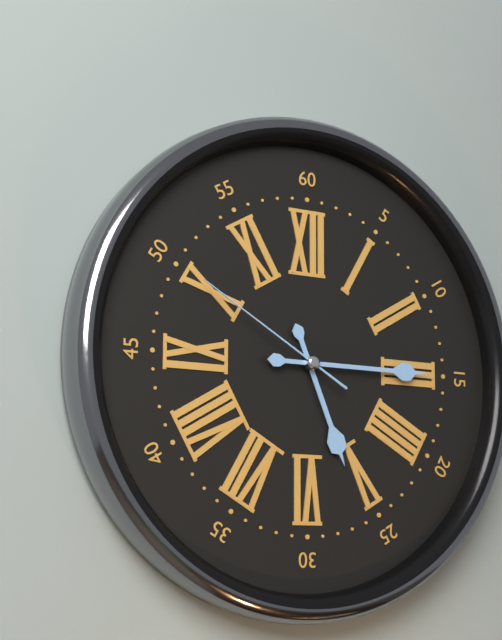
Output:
5:15:50
